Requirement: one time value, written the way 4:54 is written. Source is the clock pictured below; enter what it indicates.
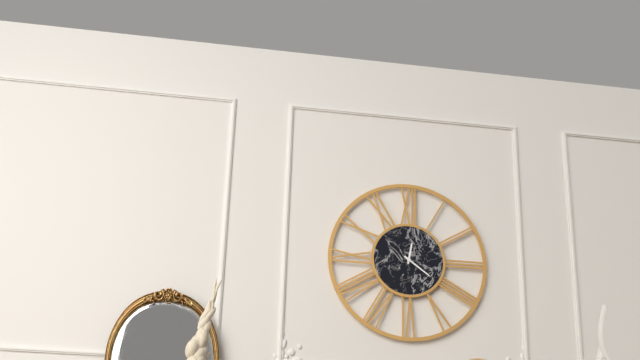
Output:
12:21
